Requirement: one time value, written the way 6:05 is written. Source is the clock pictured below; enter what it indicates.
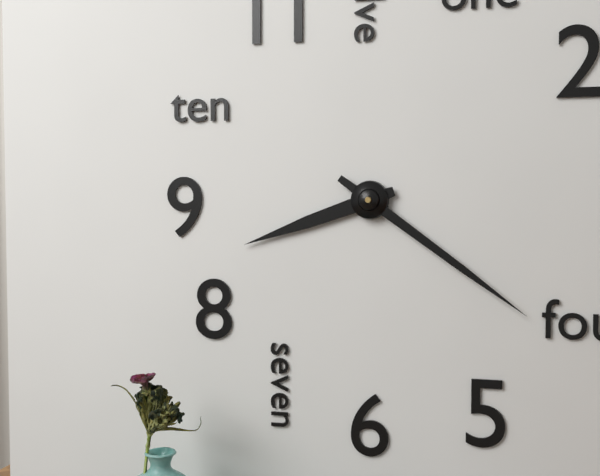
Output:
8:21
